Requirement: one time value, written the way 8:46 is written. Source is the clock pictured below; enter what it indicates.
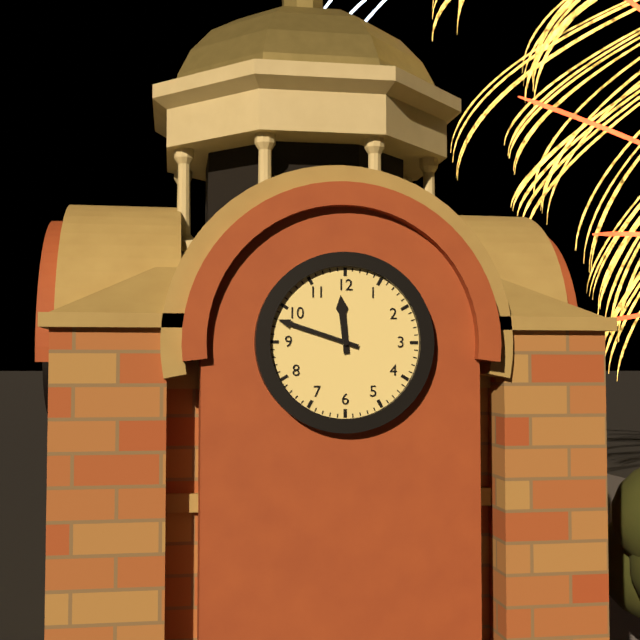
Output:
11:48
